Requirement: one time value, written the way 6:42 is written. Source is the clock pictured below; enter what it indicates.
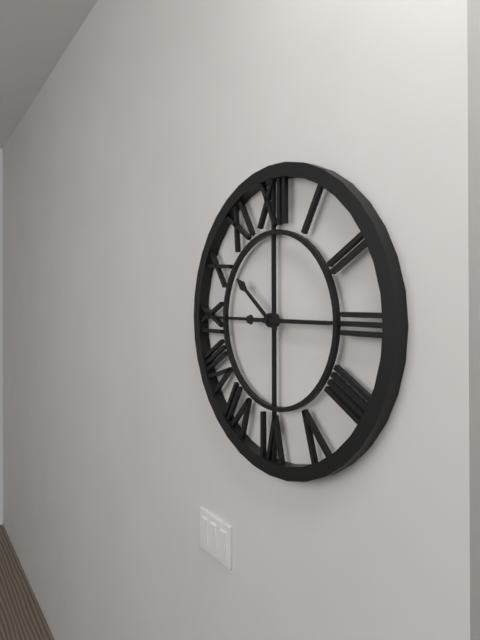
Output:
10:15
